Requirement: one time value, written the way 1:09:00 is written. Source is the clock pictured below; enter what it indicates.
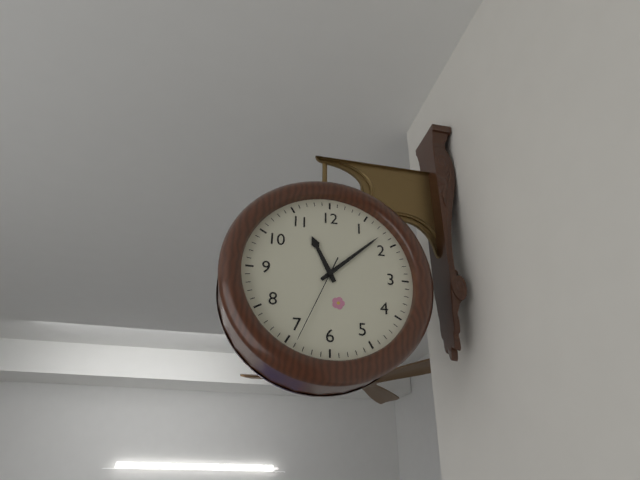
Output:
11:08:34
